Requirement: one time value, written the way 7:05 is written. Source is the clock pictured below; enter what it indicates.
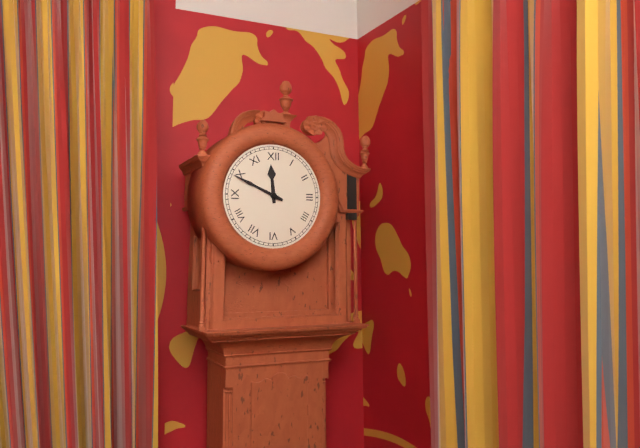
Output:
11:49
